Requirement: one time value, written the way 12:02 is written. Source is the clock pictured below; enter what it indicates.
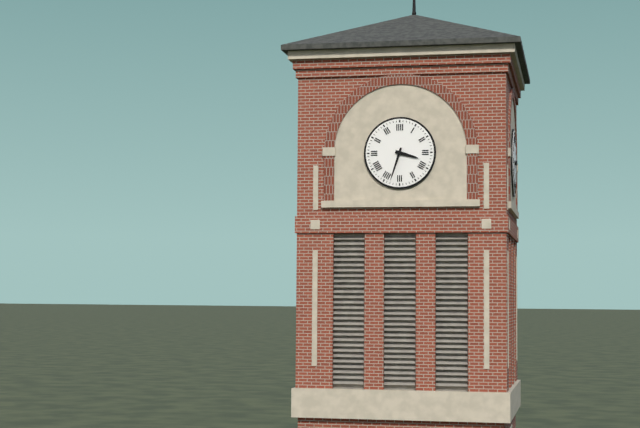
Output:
3:33
